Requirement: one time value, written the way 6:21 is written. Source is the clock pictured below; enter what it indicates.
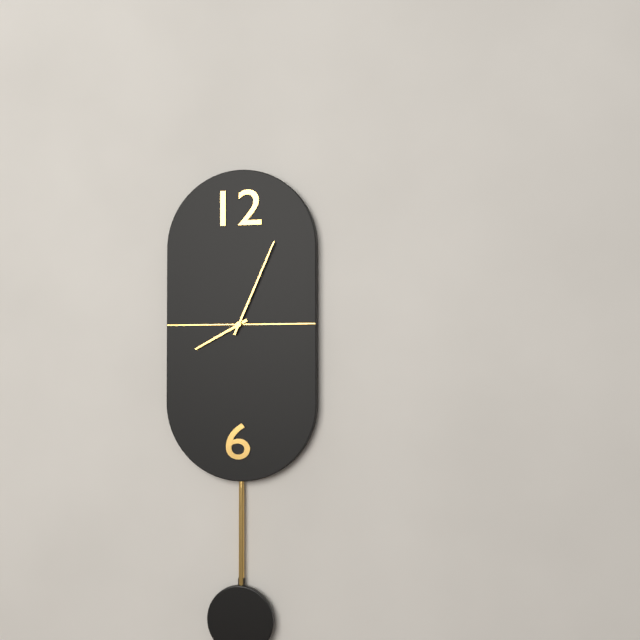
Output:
8:04
